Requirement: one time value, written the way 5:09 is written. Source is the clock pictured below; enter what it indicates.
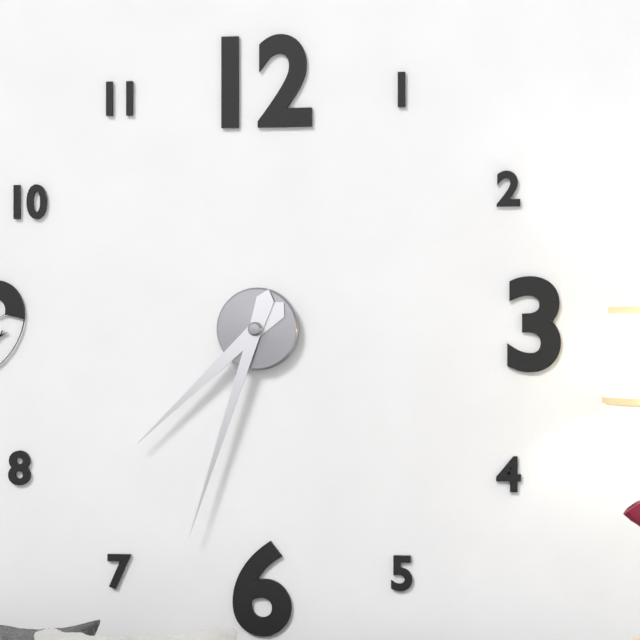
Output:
7:33
